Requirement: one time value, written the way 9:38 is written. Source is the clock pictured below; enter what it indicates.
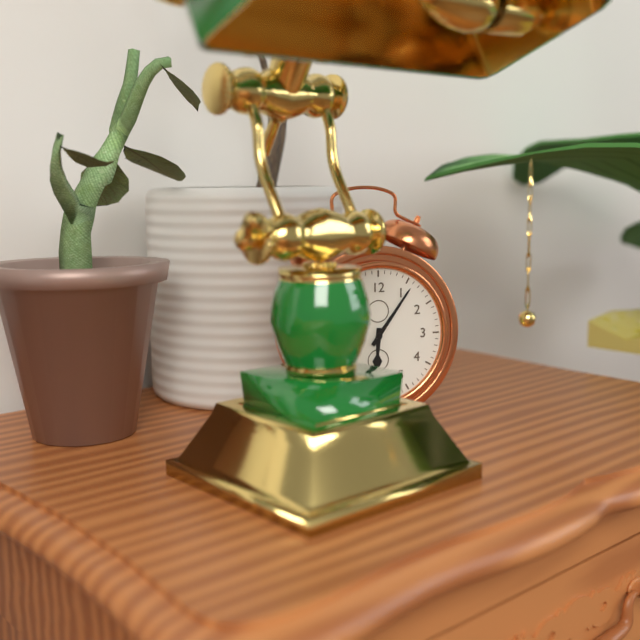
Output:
6:06
